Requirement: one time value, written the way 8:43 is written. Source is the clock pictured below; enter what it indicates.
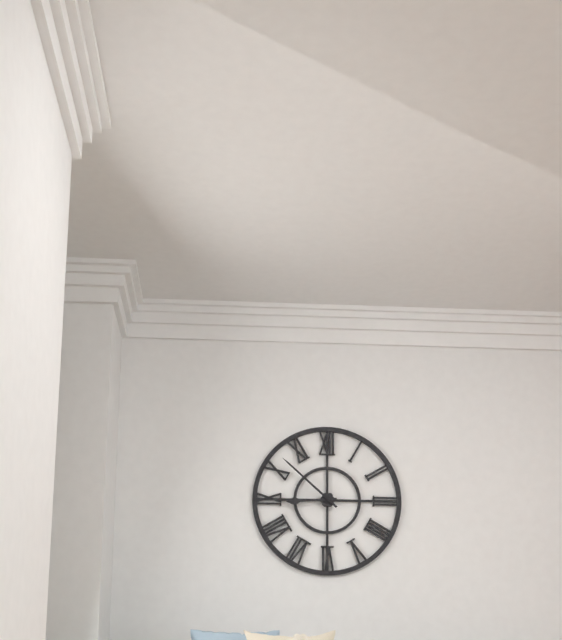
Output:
8:52
